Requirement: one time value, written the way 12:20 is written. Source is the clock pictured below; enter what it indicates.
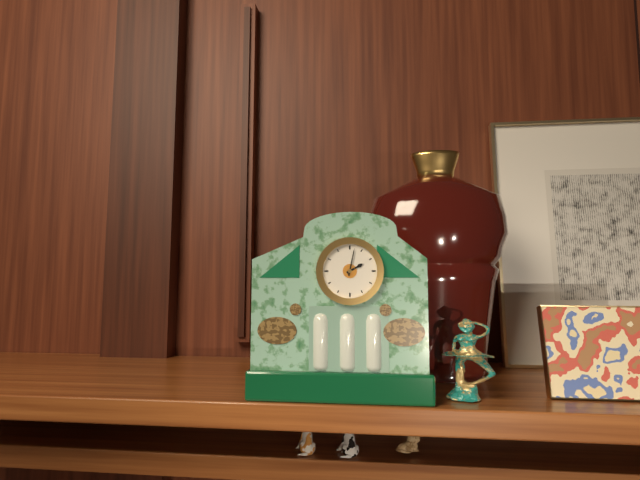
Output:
2:02
